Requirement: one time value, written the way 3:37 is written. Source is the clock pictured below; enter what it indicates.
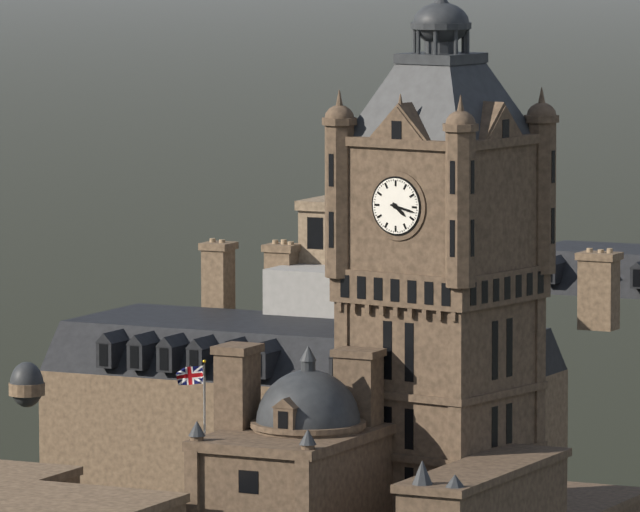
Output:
4:17
